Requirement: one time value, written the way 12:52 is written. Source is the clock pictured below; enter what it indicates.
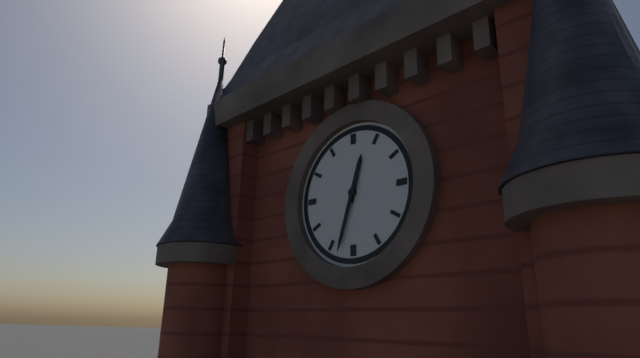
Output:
12:33
